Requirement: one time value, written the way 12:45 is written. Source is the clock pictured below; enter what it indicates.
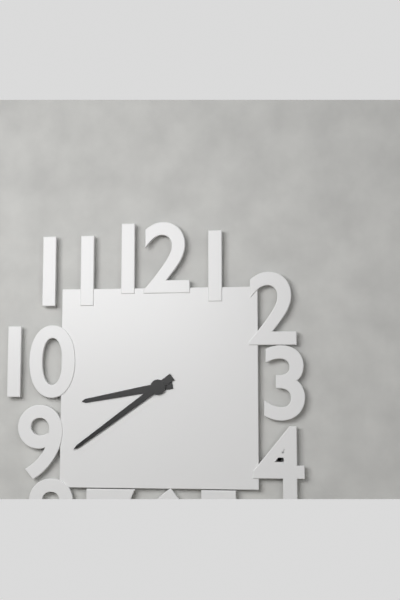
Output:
8:39
